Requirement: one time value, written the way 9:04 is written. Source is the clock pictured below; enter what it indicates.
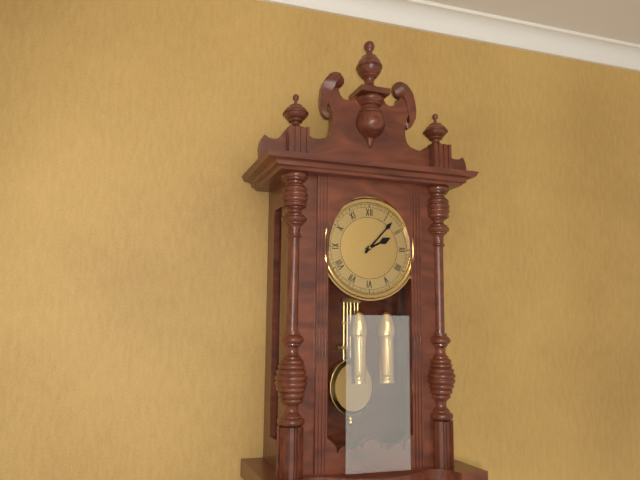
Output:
2:07
